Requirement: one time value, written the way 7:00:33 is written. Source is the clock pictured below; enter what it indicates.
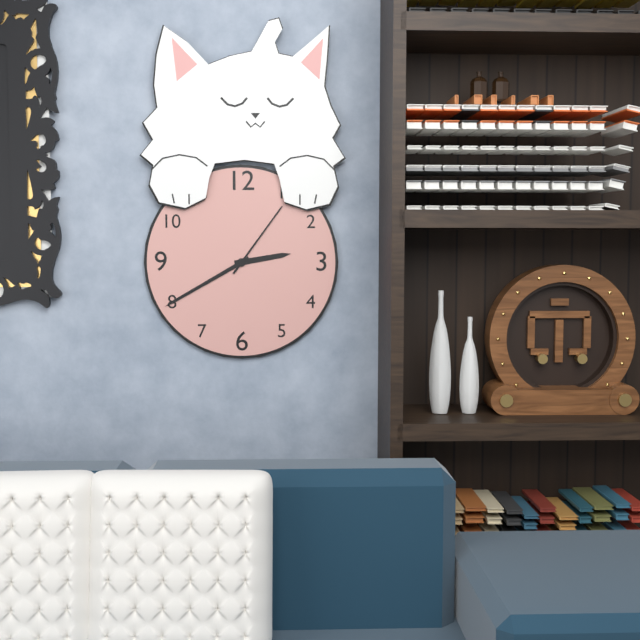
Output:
2:40:06
